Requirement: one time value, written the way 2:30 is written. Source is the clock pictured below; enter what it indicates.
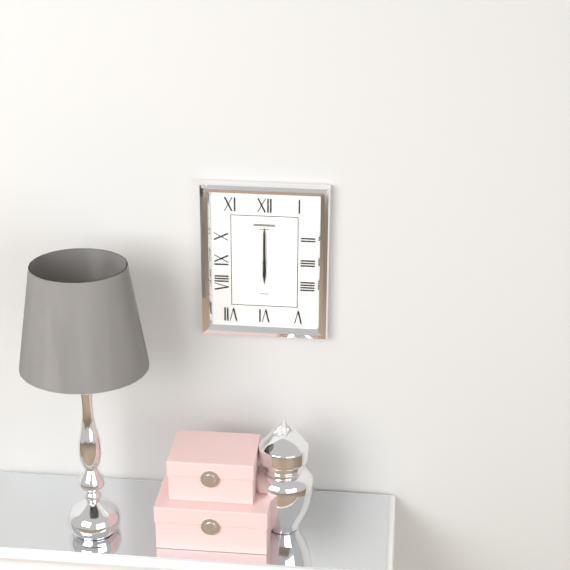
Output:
6:00
